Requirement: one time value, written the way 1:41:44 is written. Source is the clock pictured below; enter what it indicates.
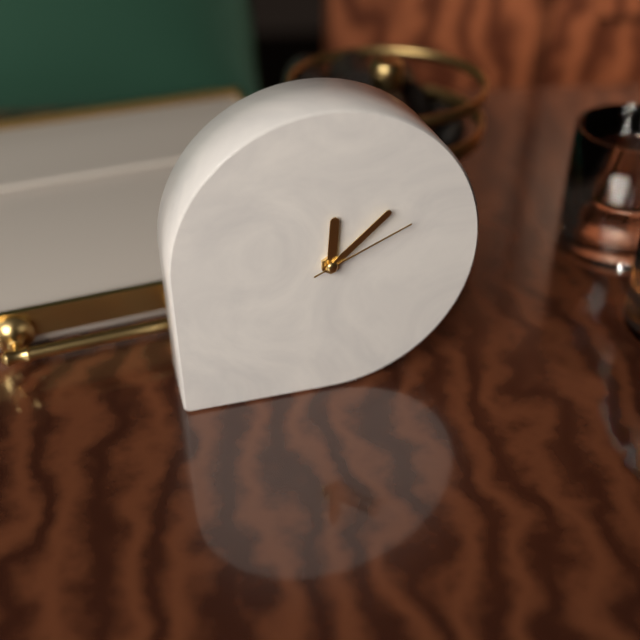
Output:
12:08:11
